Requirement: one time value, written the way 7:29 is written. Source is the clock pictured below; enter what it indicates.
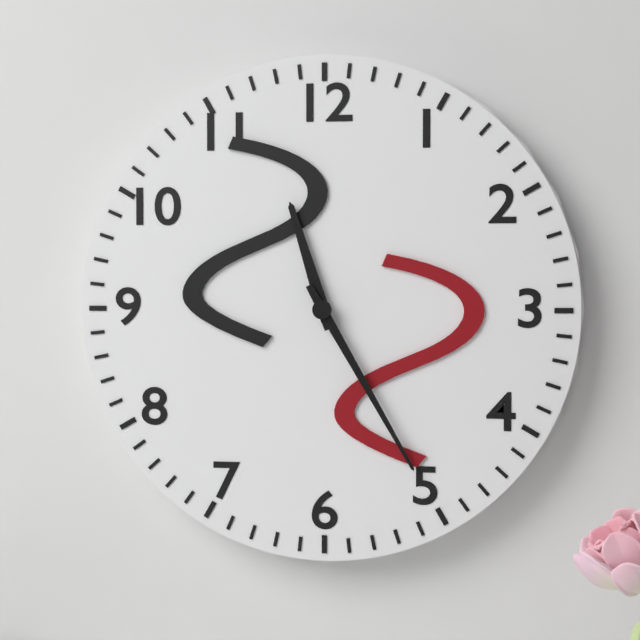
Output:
11:25
